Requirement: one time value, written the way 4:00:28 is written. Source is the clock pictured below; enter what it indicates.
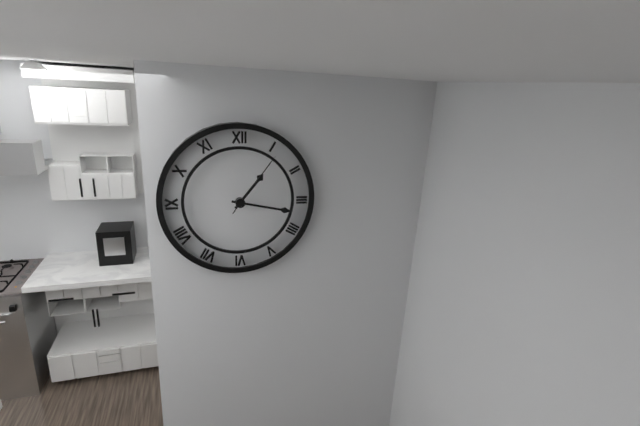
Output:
1:17:06
